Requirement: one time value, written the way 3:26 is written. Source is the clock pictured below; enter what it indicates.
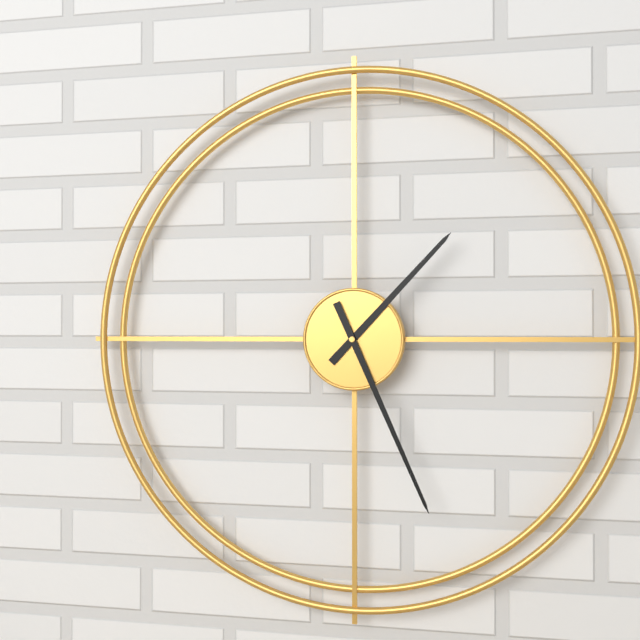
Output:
1:26
